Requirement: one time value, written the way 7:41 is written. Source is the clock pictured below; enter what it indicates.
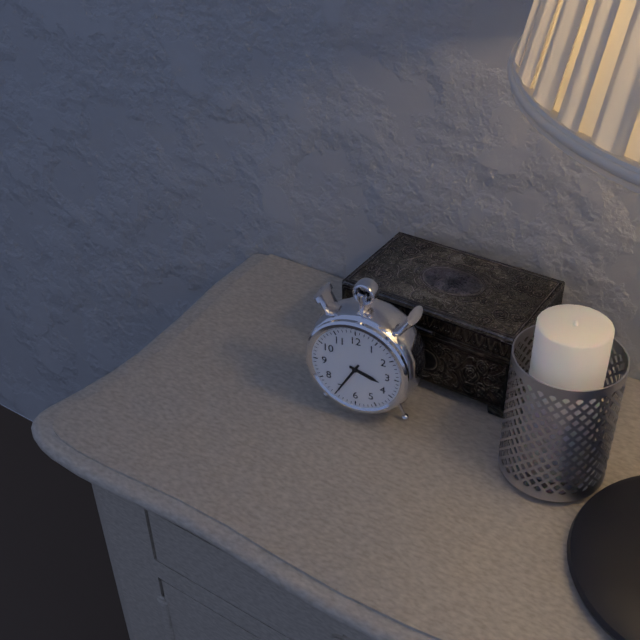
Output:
3:35
